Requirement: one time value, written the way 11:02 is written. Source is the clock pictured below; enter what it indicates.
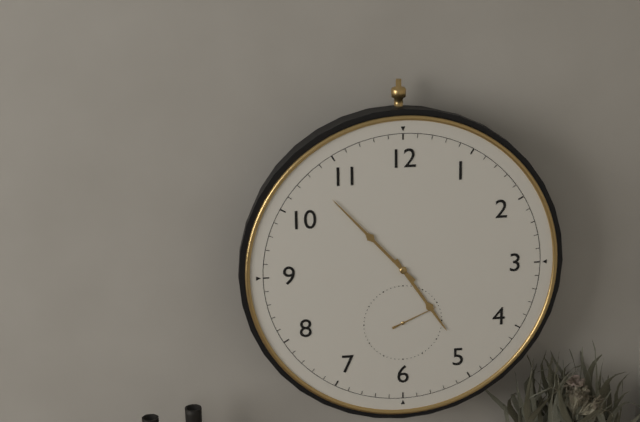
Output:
4:53
